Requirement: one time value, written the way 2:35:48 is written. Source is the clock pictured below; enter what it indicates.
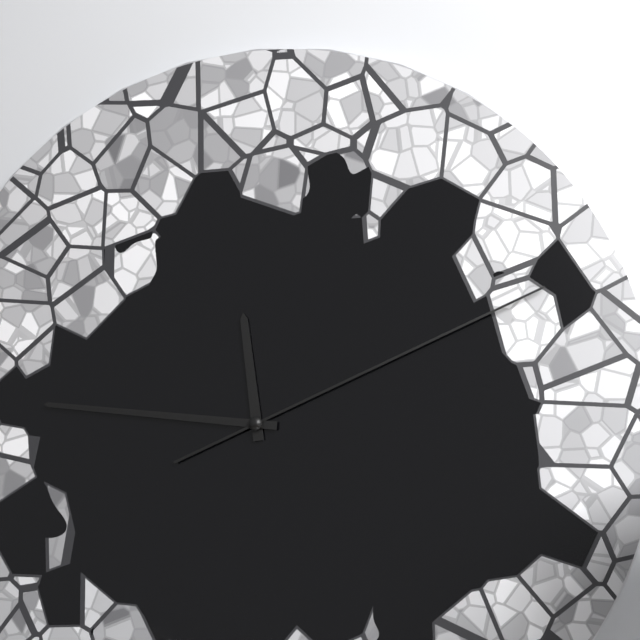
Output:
11:46:11
